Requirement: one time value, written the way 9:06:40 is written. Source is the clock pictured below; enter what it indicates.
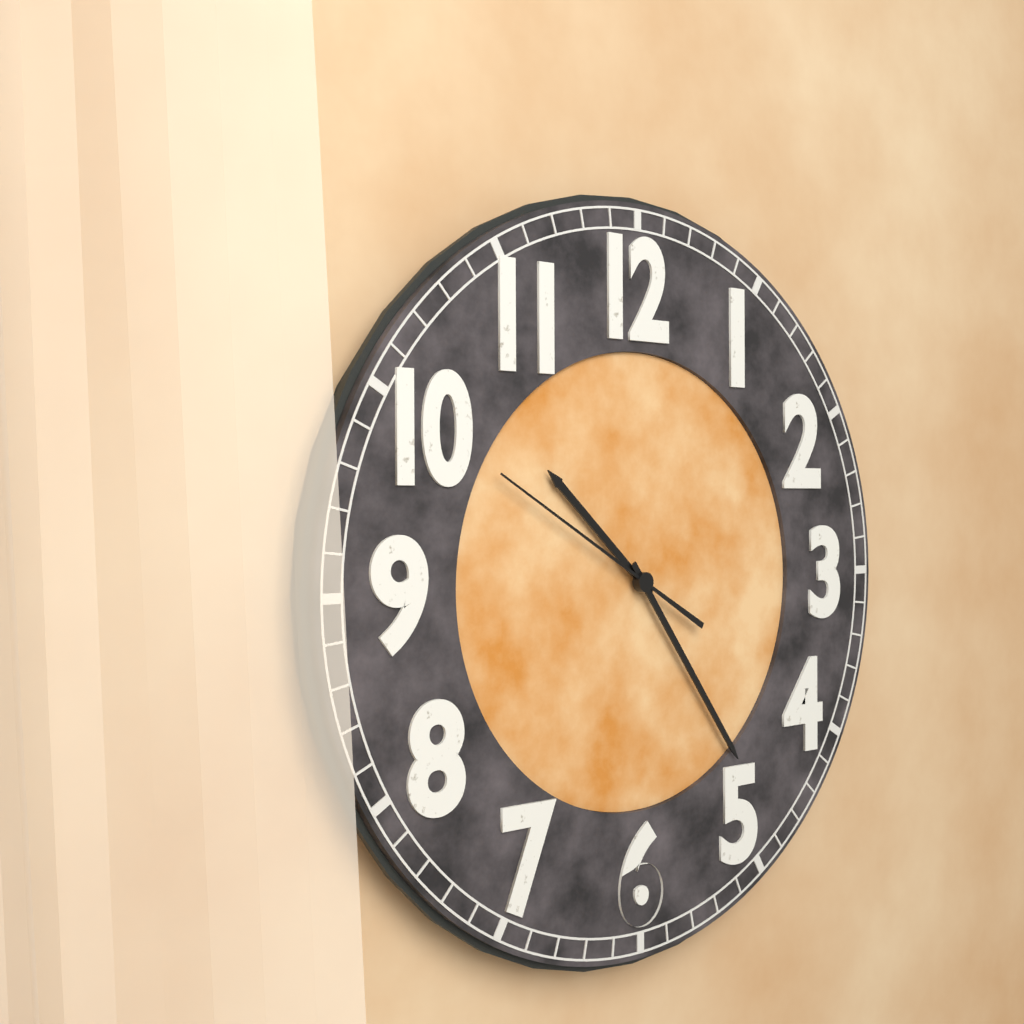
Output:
10:24:50
